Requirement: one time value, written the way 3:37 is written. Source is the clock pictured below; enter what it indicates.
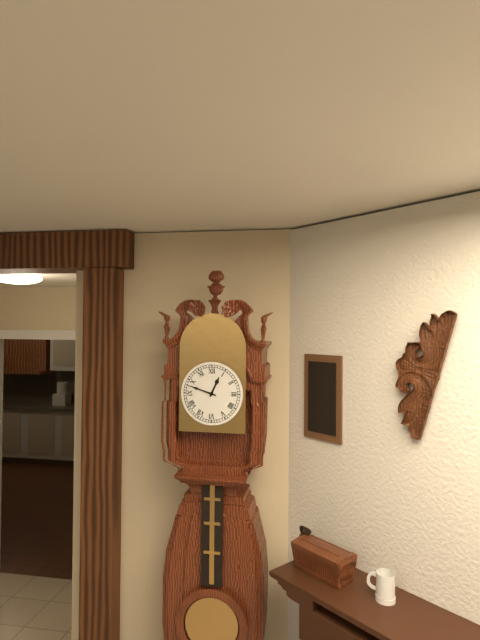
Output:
12:48
